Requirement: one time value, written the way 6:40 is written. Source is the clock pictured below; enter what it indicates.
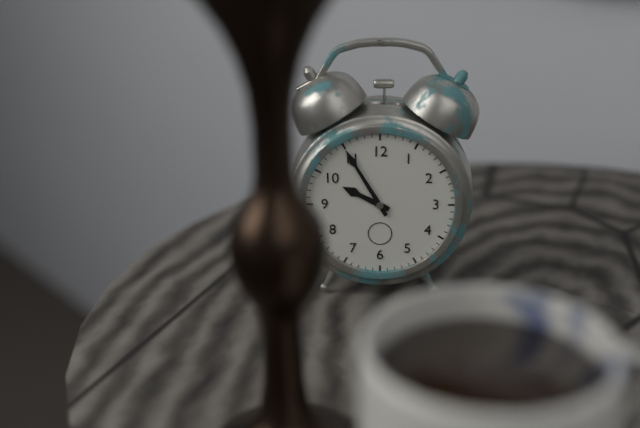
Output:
9:55
